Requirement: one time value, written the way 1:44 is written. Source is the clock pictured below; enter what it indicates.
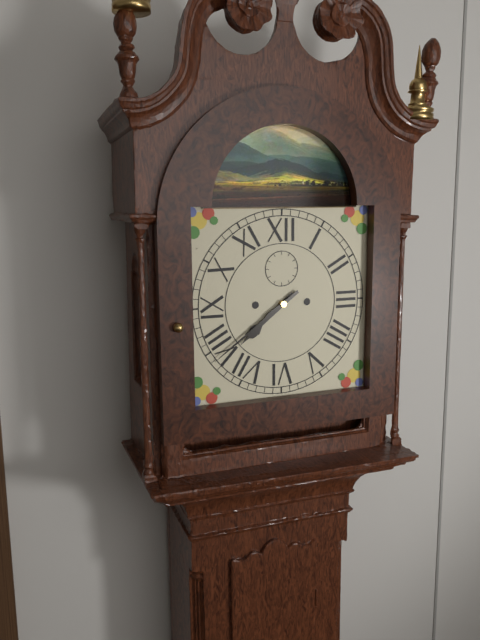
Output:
7:39
